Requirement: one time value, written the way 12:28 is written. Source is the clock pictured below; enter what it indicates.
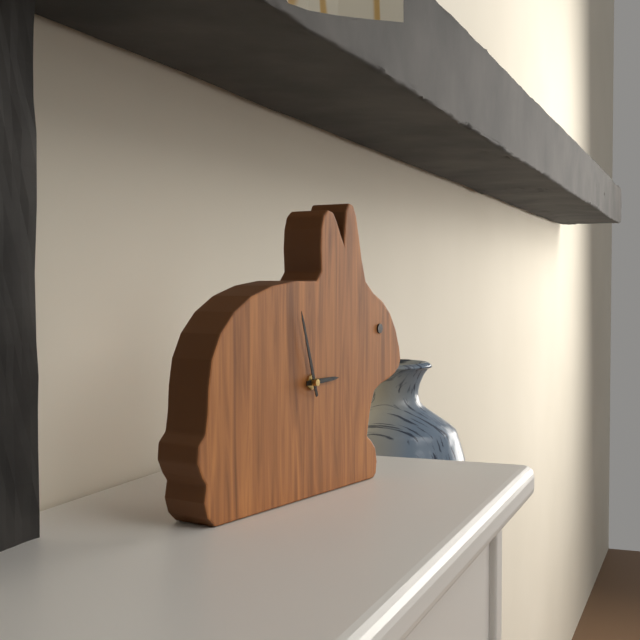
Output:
2:57
